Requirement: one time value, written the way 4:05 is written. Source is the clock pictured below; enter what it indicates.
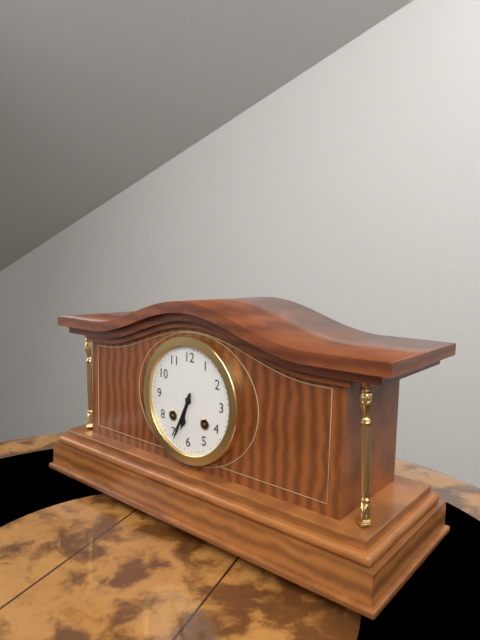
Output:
6:34
